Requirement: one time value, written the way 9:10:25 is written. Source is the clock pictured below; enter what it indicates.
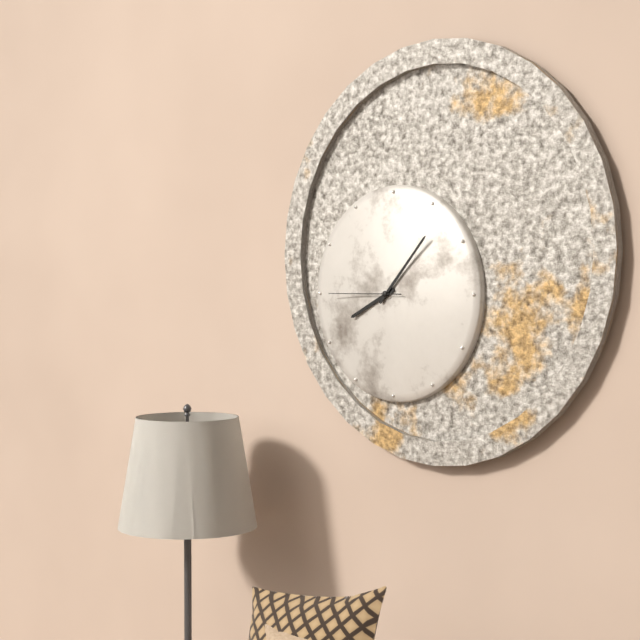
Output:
8:07:45
